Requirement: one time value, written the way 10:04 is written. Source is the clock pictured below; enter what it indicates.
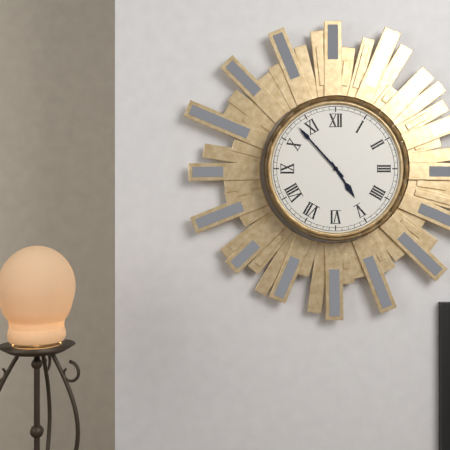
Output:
4:53
